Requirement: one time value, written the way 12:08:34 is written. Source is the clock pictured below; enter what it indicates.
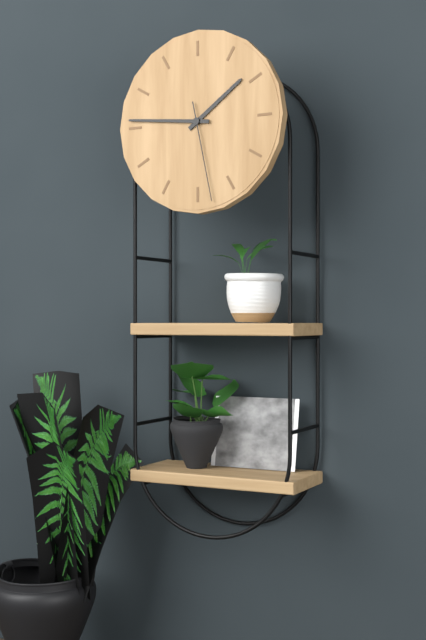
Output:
1:46:28
